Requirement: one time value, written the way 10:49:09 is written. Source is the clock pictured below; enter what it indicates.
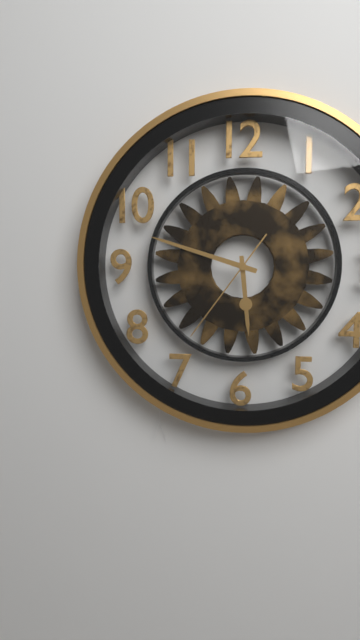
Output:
5:48:36
